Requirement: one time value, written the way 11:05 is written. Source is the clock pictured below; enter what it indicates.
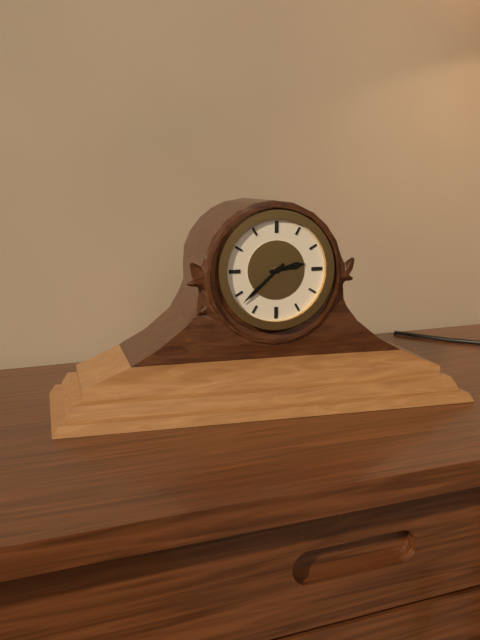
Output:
2:38
